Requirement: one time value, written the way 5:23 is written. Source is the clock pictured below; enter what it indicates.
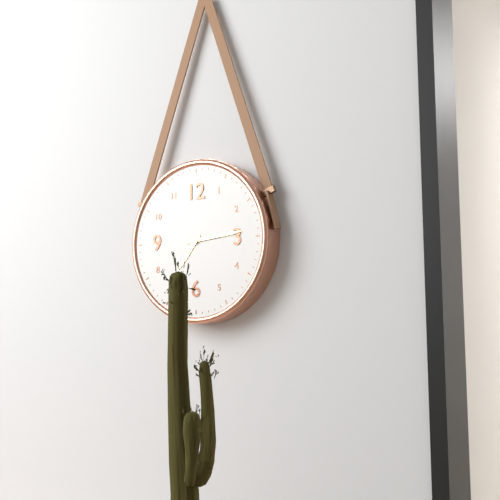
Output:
7:14
